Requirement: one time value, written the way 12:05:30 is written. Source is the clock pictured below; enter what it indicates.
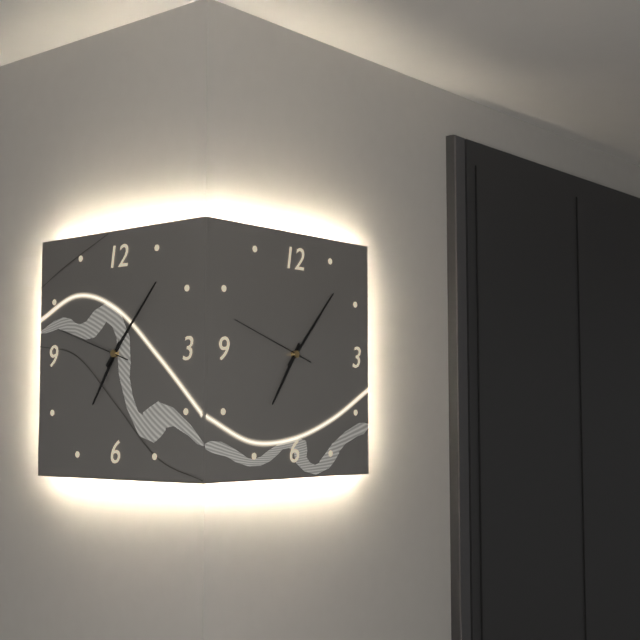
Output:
7:07:48
